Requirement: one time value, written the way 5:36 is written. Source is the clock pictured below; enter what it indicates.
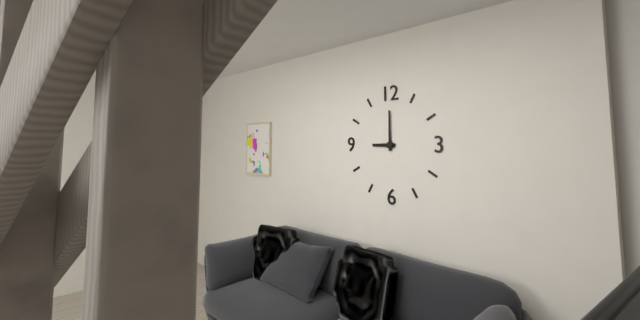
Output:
9:00
